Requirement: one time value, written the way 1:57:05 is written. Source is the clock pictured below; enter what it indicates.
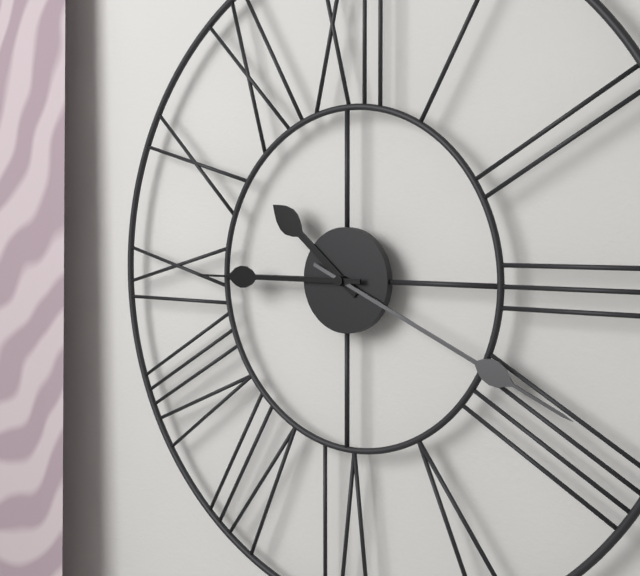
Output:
10:19:45
